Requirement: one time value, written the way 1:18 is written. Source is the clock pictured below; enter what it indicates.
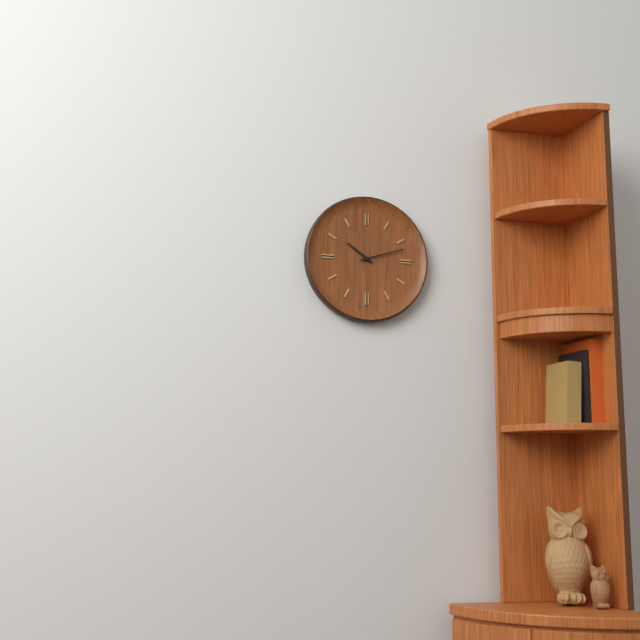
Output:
10:12
